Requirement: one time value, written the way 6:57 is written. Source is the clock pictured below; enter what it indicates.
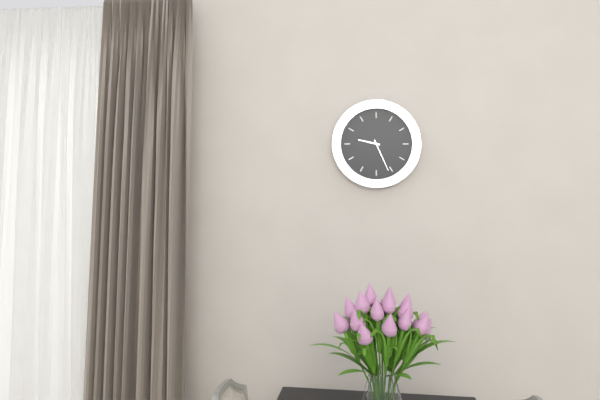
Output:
9:26
